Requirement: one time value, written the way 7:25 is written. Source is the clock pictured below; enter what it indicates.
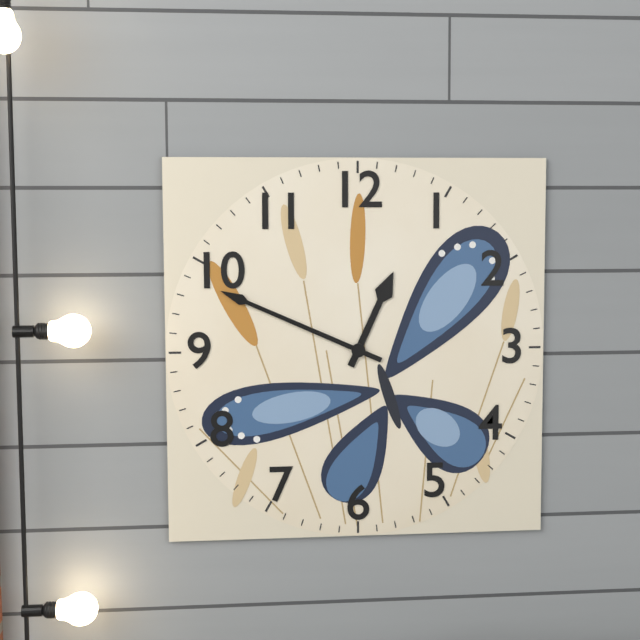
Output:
12:49
